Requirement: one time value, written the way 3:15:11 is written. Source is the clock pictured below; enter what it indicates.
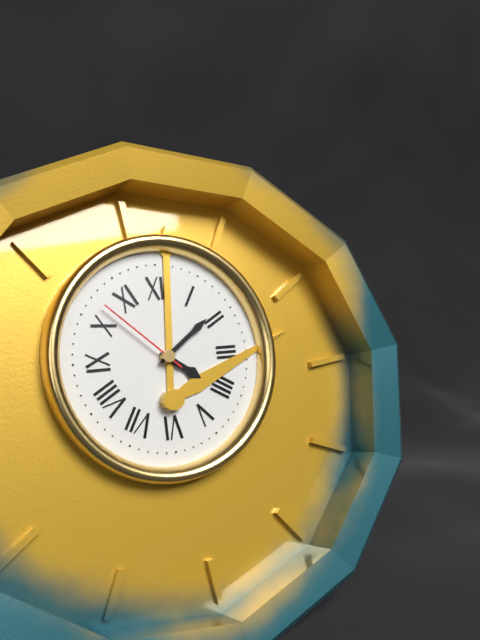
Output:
4:09:52
